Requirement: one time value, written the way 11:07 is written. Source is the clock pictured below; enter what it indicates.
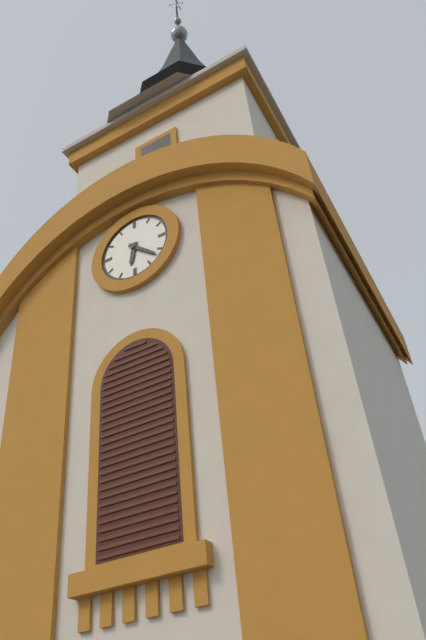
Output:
6:22
